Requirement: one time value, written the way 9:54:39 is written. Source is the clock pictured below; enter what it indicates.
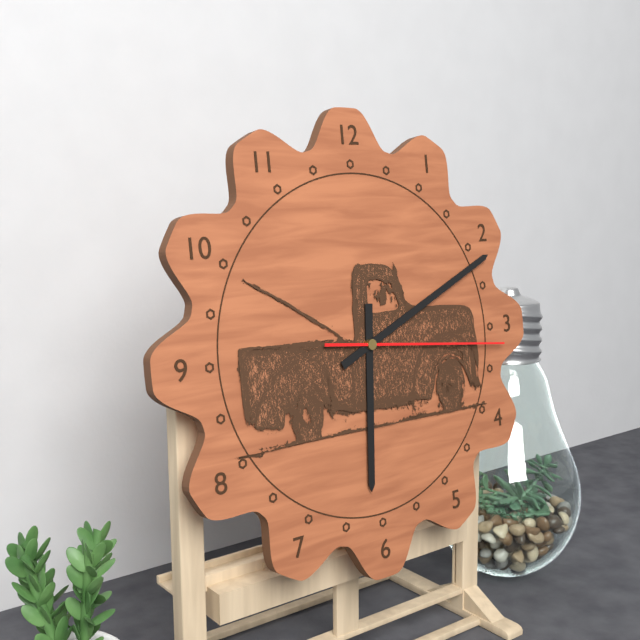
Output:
6:11:16
